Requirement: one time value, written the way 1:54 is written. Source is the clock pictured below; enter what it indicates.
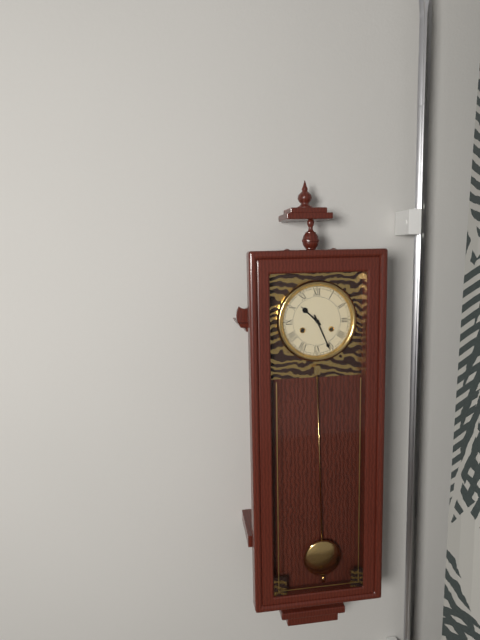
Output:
10:26
